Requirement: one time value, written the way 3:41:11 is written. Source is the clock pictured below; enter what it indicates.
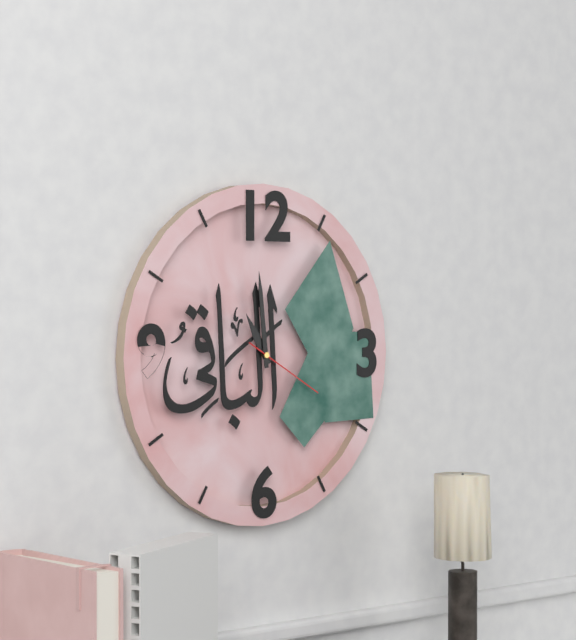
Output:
10:59:20
